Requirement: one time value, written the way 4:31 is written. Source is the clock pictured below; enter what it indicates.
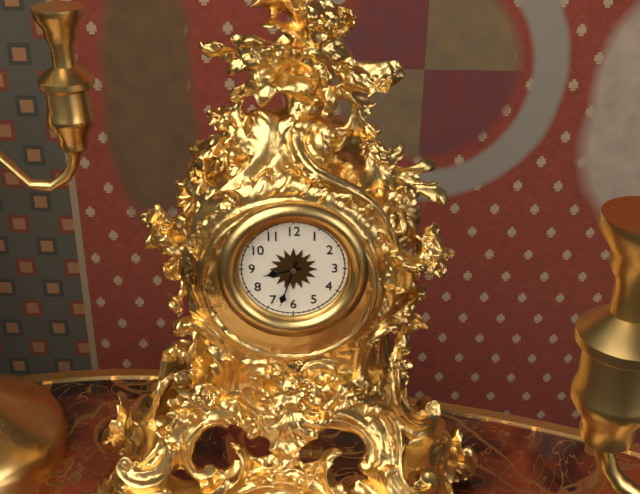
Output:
8:33
